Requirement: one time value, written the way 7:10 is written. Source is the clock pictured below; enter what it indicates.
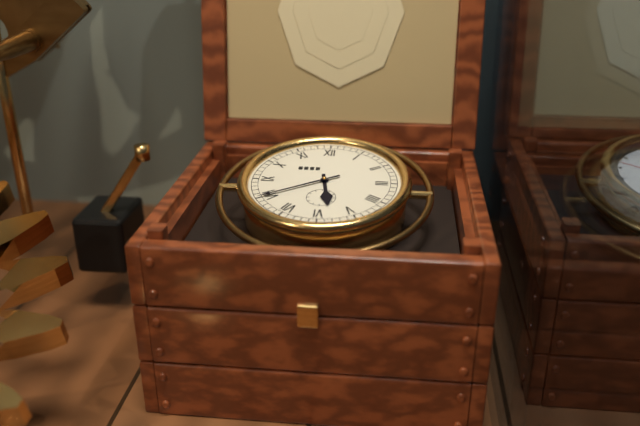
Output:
5:40
